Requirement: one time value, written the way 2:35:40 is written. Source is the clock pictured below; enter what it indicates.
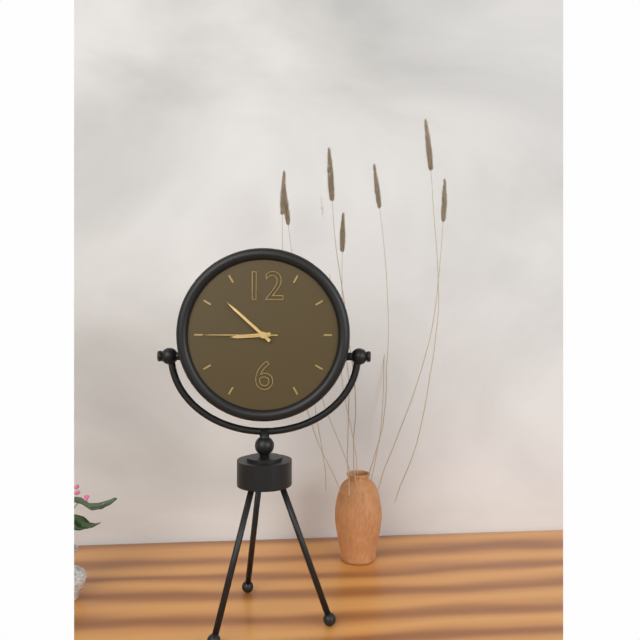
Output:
8:52:45
